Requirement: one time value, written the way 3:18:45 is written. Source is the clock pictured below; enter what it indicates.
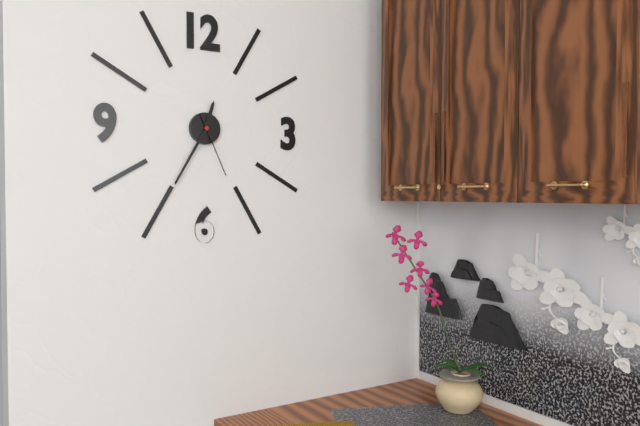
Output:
12:35:26
